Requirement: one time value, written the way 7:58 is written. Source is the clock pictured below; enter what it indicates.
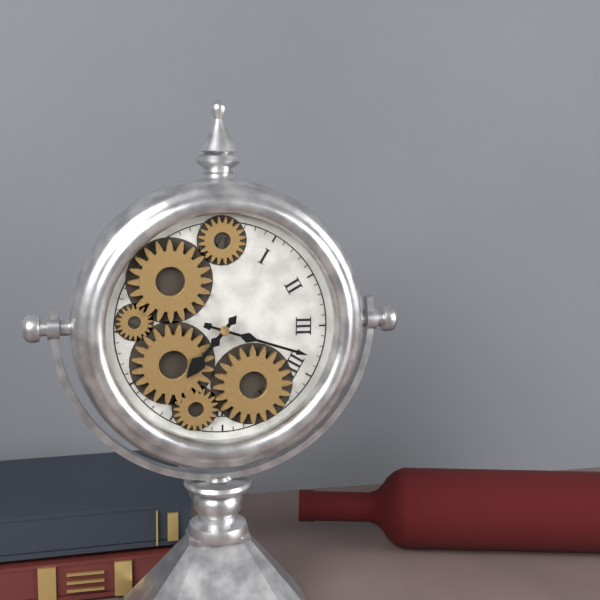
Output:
7:18
